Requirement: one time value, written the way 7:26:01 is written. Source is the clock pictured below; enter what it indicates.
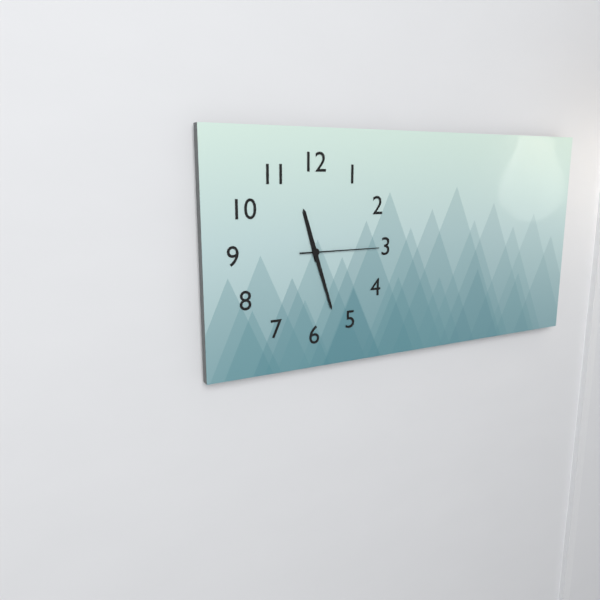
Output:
11:27:15
